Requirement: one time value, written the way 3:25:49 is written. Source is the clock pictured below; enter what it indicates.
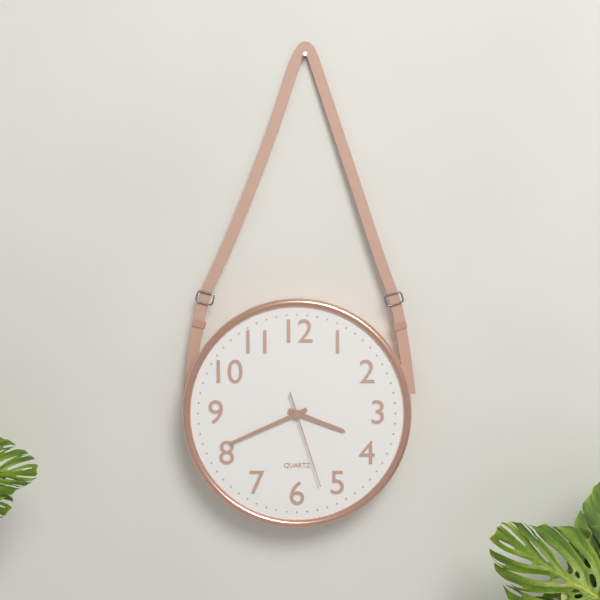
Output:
3:41:27
